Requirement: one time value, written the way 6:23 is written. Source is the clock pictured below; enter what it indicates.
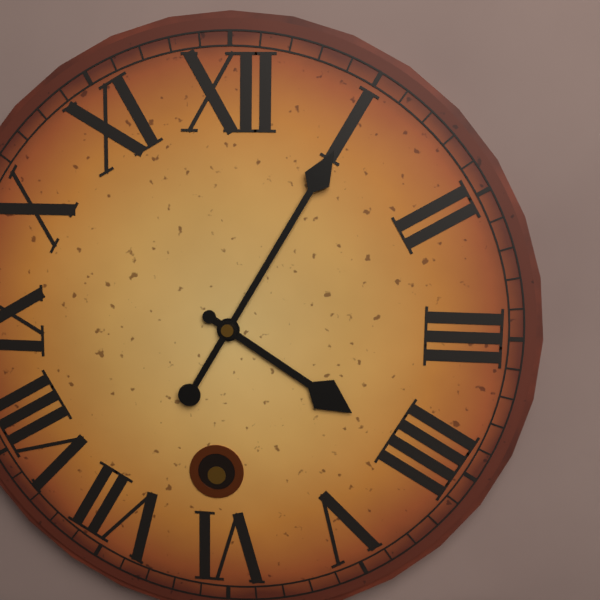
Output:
4:05
